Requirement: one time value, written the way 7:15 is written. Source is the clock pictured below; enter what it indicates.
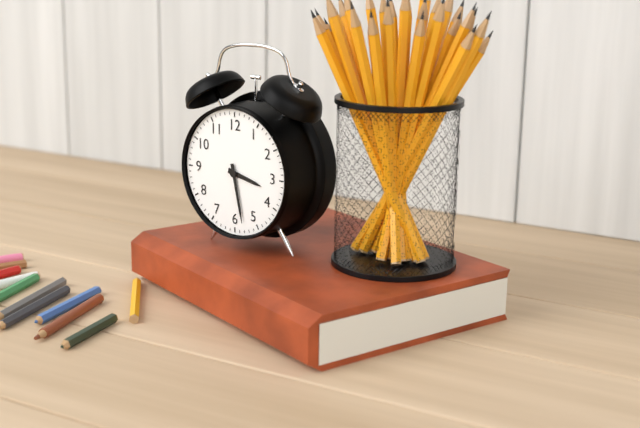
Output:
3:28
